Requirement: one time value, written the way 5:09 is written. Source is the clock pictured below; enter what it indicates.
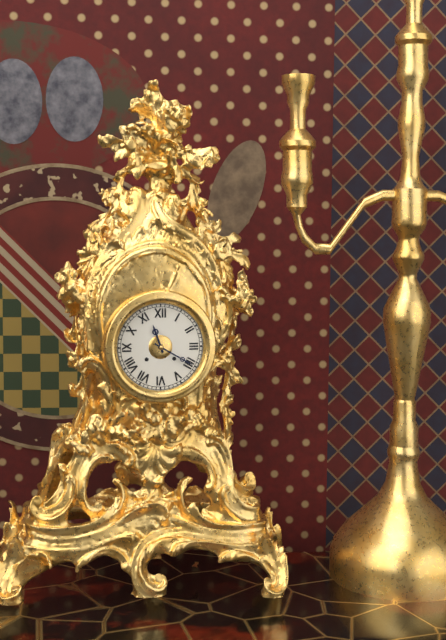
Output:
11:20
